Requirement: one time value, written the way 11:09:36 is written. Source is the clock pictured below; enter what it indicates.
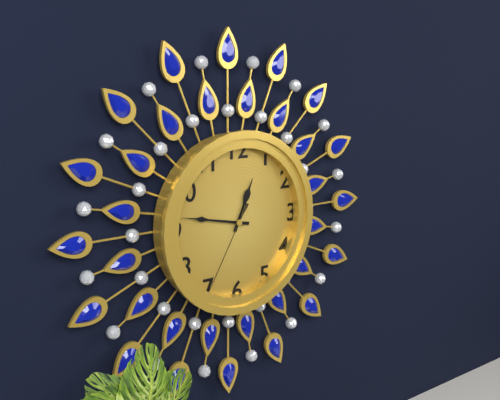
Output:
12:47:35
